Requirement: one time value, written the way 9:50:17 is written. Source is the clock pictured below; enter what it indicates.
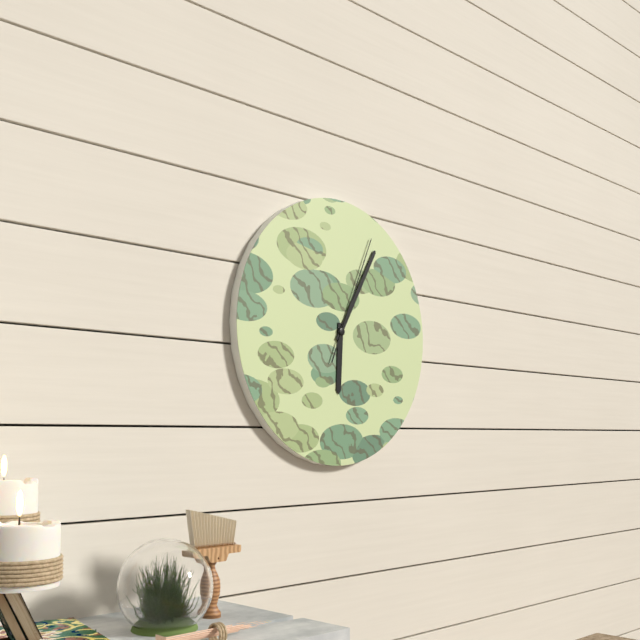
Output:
6:05:04
